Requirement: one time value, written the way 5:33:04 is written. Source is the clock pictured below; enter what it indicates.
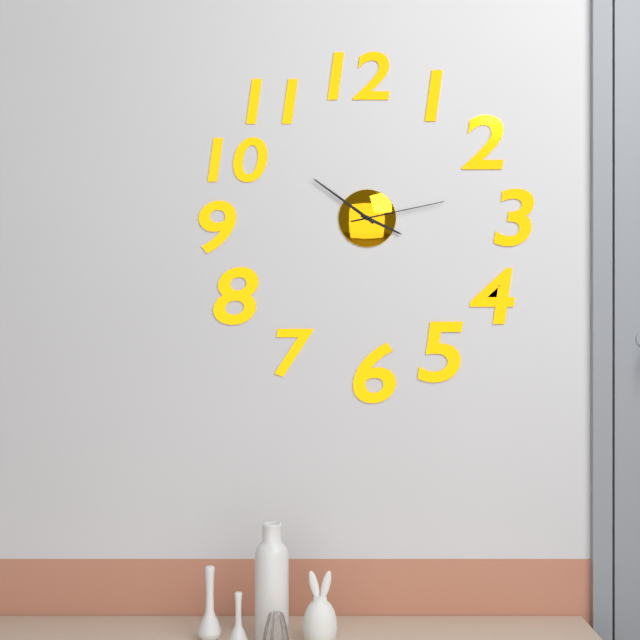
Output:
3:51:13
